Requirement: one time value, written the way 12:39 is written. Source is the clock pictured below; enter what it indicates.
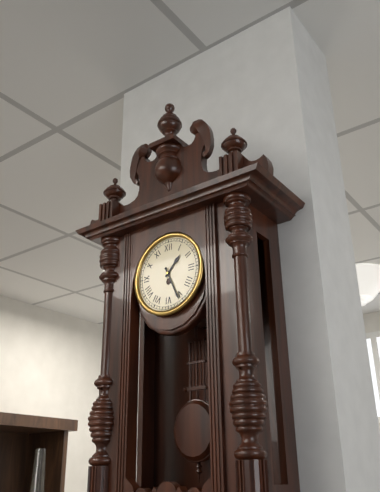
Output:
1:26
